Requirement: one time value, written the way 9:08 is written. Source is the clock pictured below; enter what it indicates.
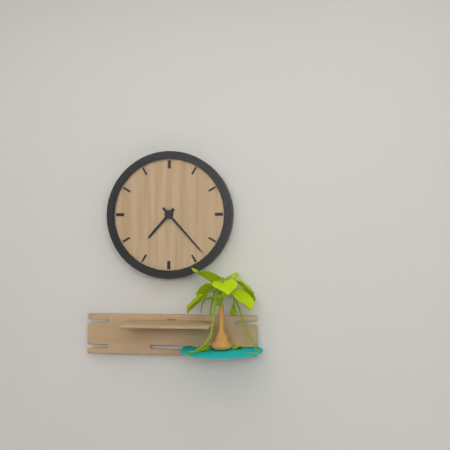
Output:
7:23
